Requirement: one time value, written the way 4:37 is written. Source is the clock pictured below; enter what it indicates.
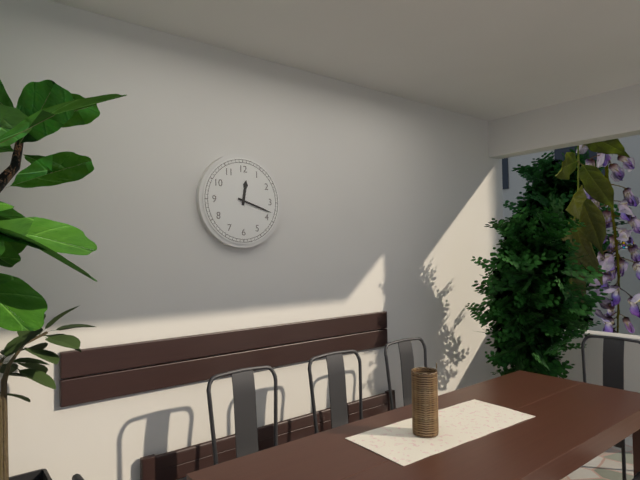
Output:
12:18
